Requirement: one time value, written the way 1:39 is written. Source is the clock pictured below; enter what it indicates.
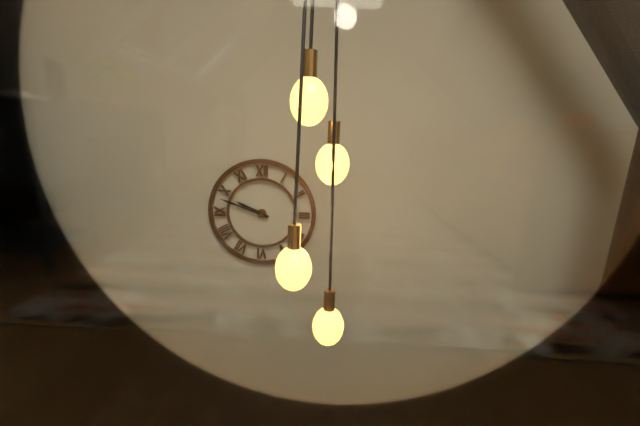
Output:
9:48
